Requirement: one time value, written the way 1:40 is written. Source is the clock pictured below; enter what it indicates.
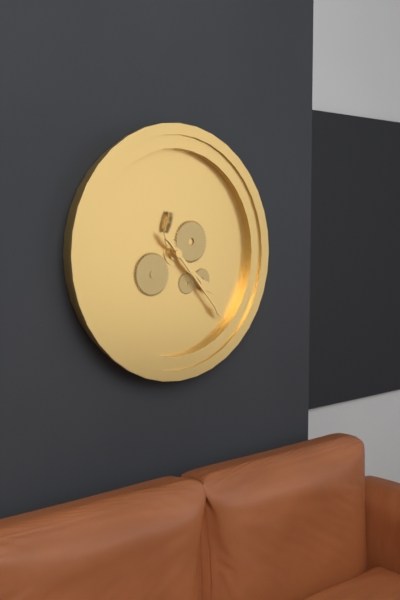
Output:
4:23
